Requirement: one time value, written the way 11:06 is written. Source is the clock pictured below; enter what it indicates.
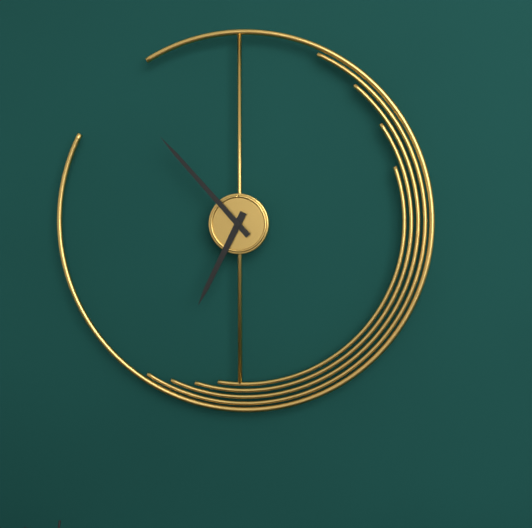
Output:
6:53
